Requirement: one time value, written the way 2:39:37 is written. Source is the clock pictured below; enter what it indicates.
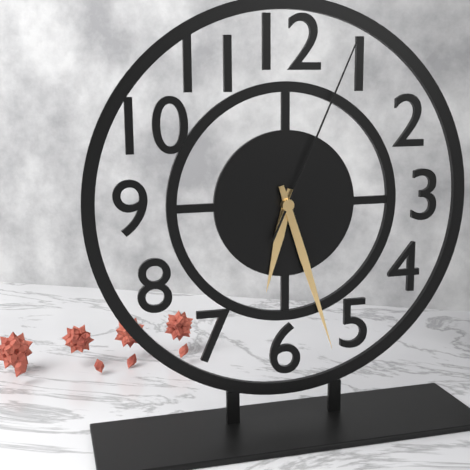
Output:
6:27:04
